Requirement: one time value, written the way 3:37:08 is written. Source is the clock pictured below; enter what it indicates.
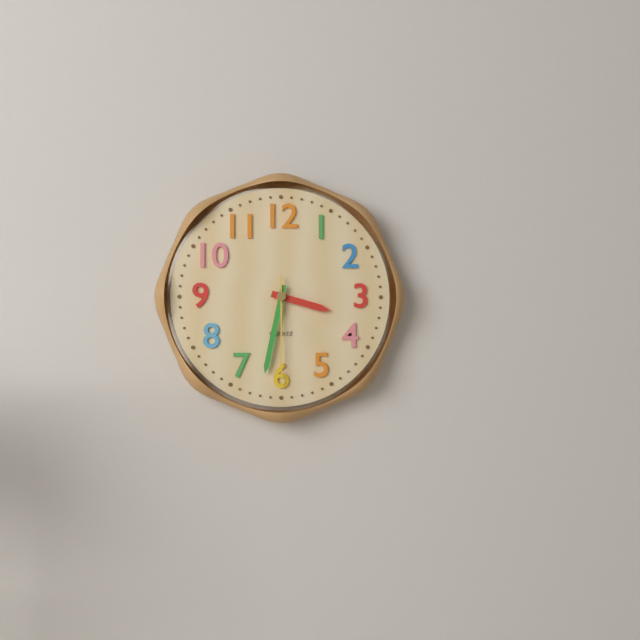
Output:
3:32:30
